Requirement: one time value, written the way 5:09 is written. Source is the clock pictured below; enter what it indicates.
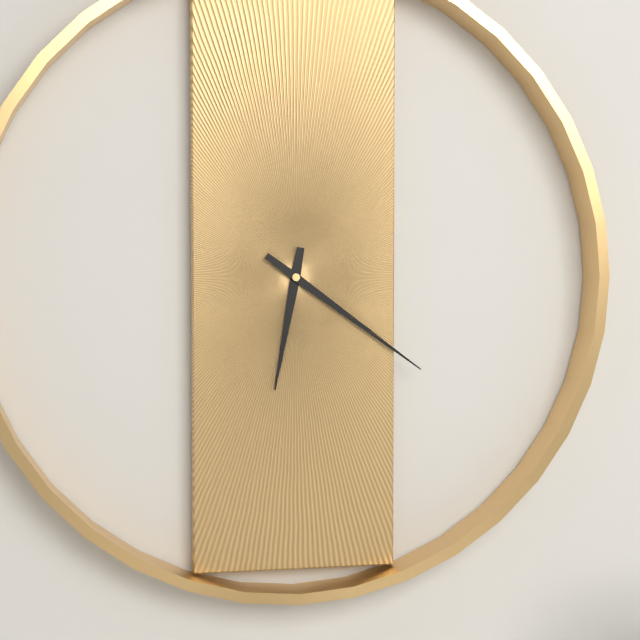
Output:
6:21
